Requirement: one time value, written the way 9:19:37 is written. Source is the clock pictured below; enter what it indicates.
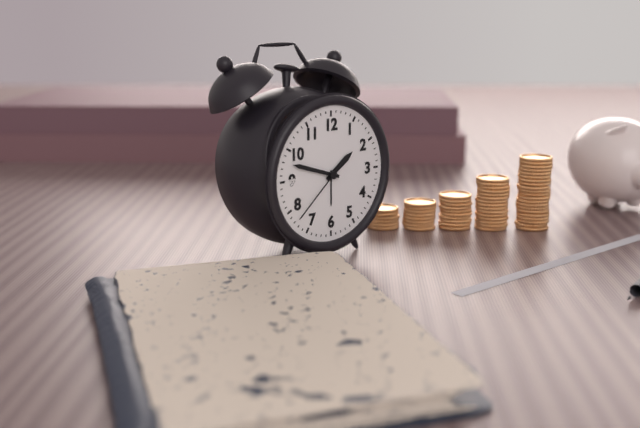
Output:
1:48:38
